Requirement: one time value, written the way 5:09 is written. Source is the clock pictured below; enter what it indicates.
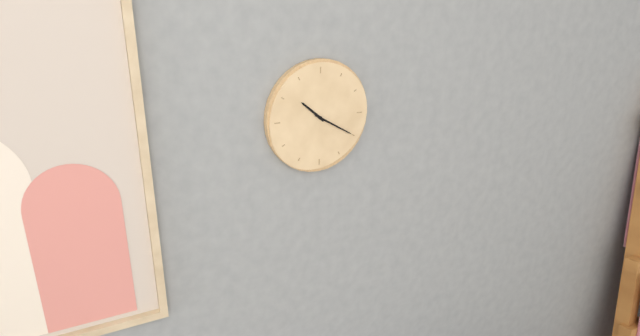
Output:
10:20
